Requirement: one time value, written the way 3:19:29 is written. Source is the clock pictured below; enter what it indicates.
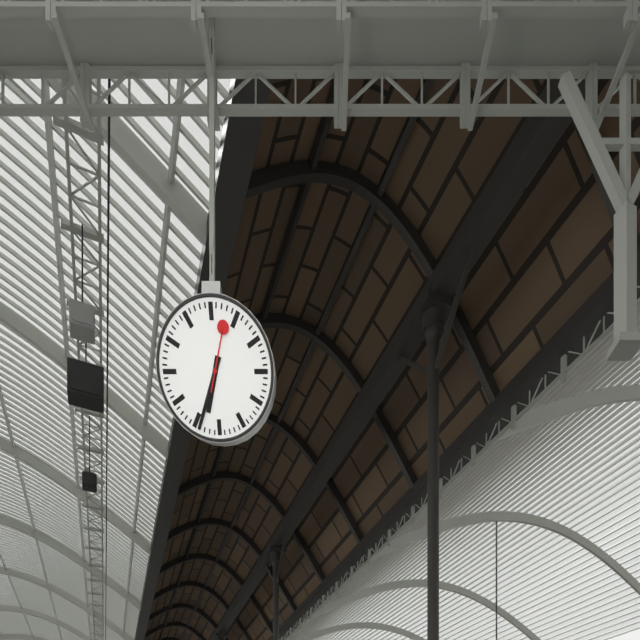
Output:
6:34:03
